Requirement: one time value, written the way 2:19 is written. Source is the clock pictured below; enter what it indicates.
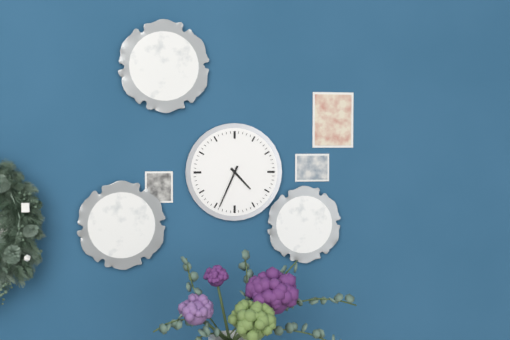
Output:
4:34
